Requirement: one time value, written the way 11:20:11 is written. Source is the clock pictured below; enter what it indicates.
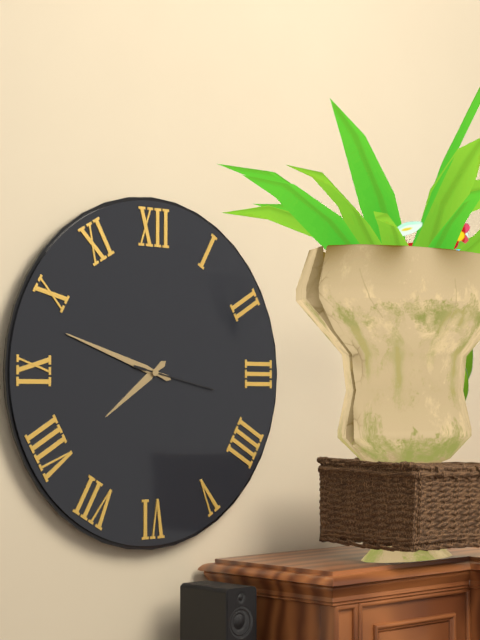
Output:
7:48:17
